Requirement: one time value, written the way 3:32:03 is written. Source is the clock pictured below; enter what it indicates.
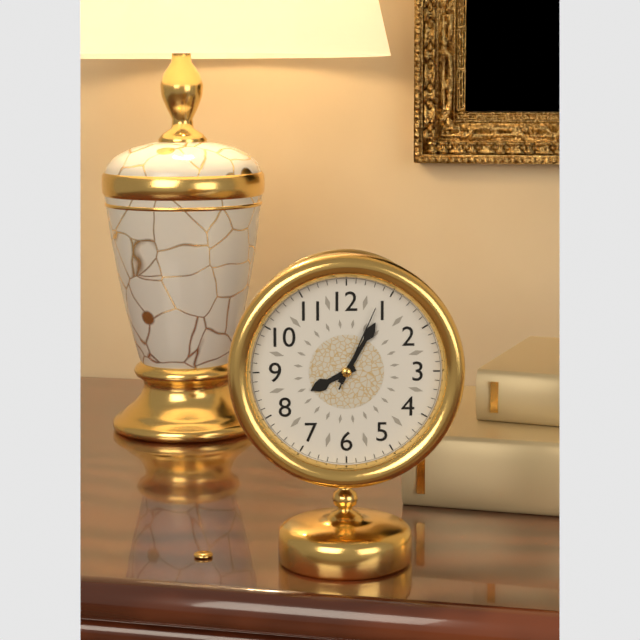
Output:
8:05:04
